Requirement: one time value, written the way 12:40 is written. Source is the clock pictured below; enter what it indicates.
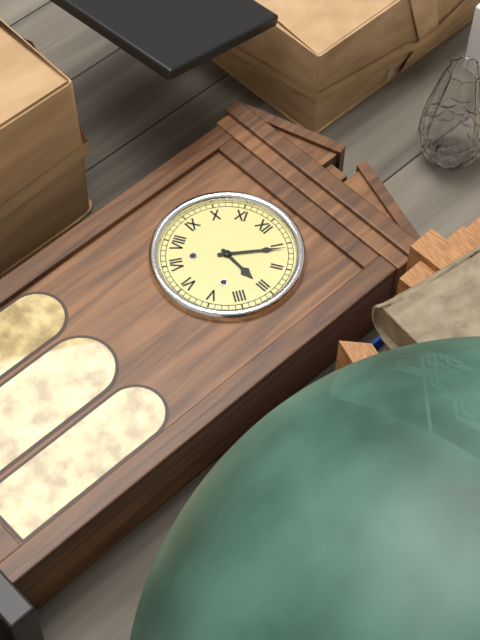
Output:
3:06
